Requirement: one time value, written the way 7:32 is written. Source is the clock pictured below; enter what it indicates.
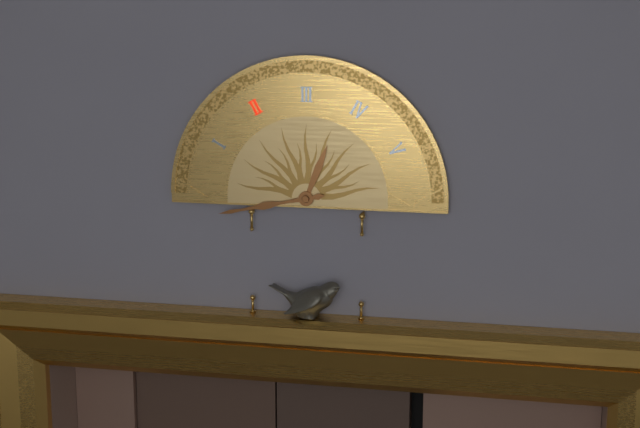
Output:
12:43
